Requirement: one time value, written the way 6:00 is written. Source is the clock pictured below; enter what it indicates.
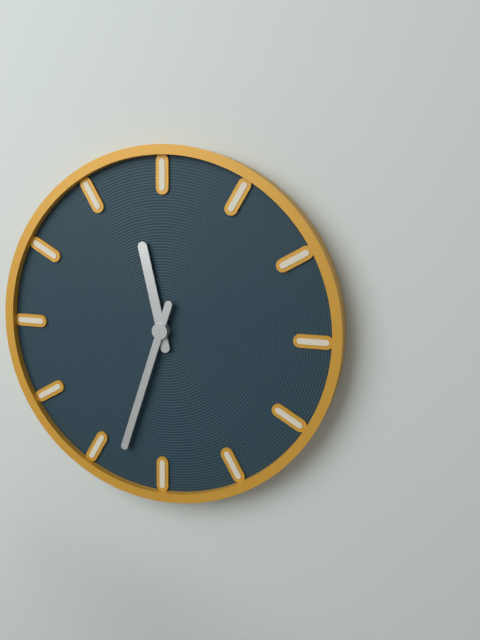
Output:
11:33
